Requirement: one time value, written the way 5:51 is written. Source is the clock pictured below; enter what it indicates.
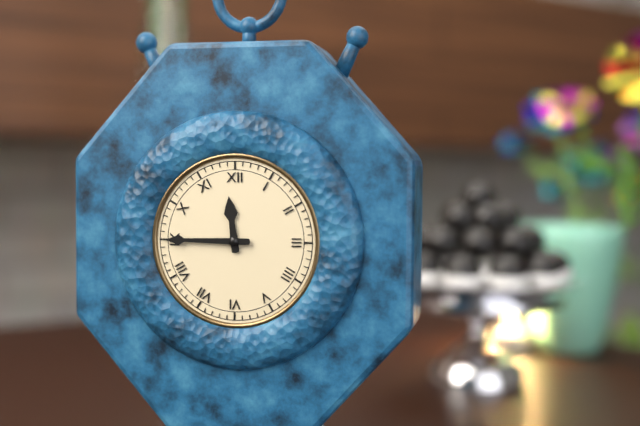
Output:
11:45
